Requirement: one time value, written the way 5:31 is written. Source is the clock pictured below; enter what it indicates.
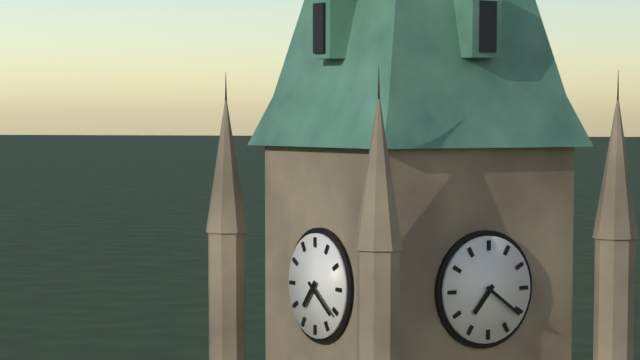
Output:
7:21
